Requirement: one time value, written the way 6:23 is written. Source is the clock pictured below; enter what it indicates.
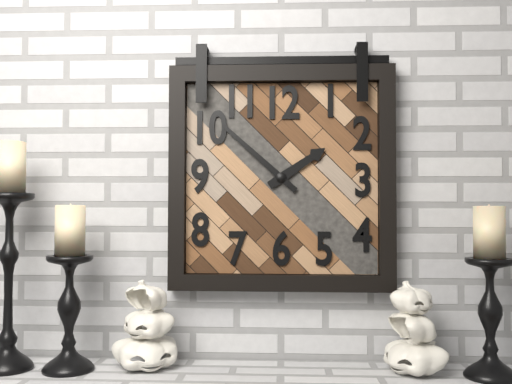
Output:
1:52
